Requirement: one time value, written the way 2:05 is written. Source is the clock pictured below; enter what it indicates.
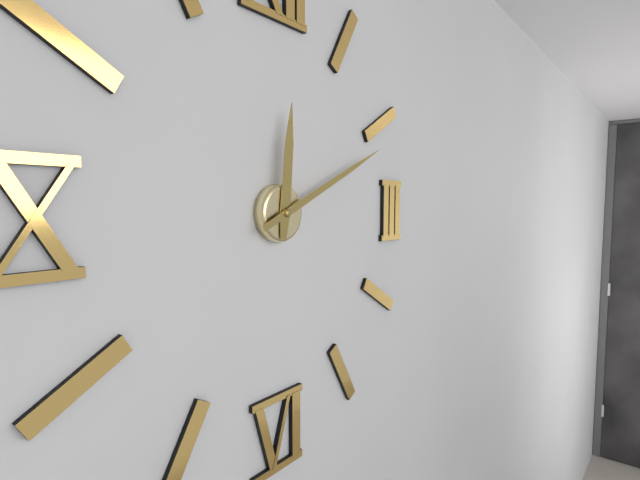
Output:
12:11
